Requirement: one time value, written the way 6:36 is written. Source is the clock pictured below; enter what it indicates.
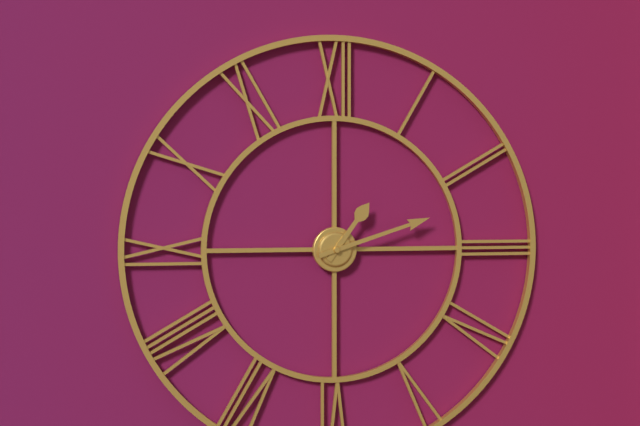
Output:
1:12
